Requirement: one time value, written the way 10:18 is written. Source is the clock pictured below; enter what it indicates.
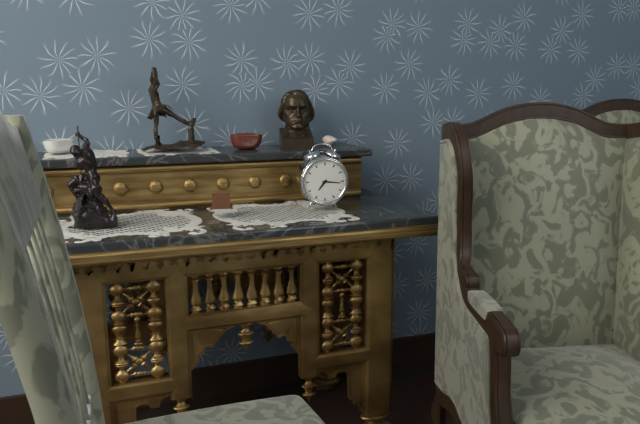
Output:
7:16
